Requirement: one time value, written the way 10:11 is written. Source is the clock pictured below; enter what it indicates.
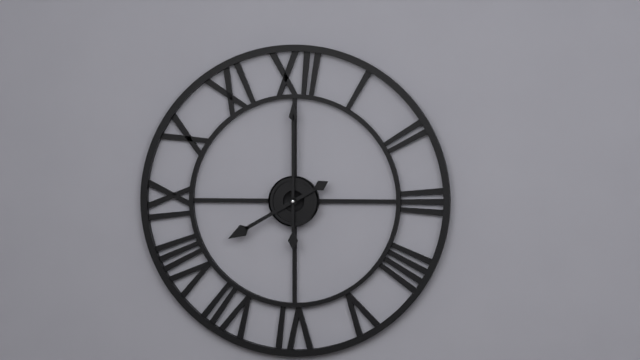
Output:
8:00
